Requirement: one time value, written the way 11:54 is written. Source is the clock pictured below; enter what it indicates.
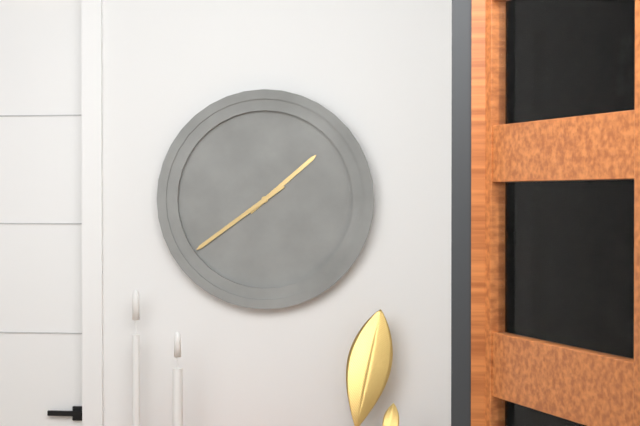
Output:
1:39
